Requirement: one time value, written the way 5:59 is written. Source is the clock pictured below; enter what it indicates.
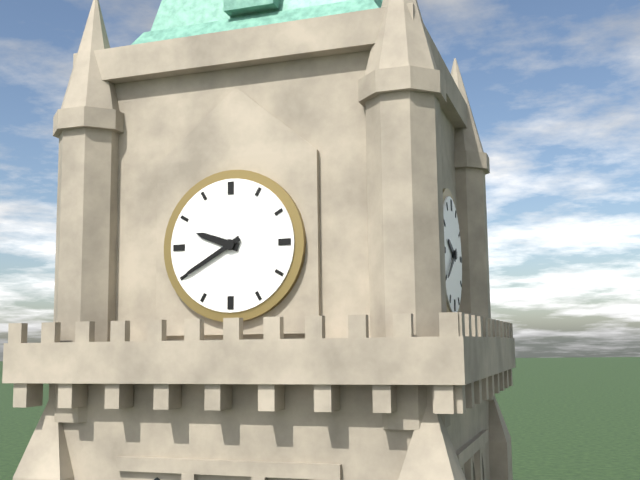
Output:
9:40
